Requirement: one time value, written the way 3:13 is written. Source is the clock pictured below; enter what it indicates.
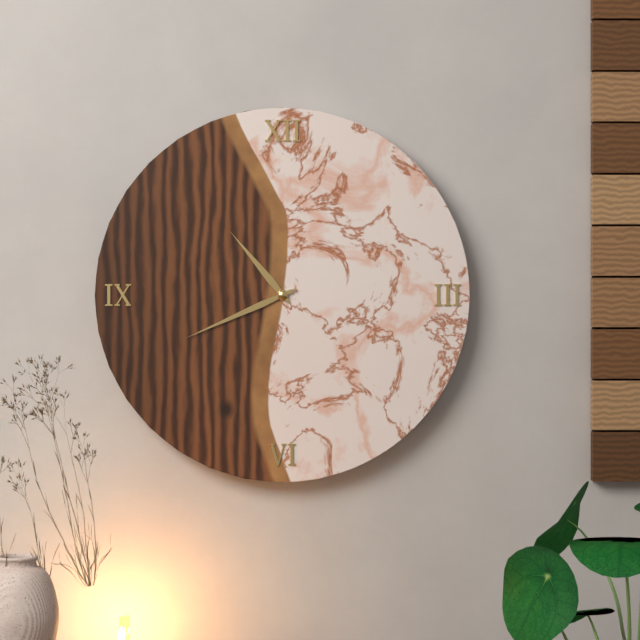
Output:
10:41
